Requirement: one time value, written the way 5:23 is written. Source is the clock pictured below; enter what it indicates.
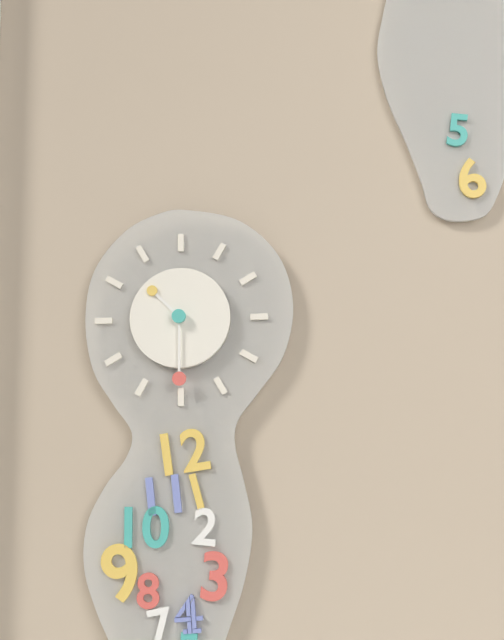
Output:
10:30
